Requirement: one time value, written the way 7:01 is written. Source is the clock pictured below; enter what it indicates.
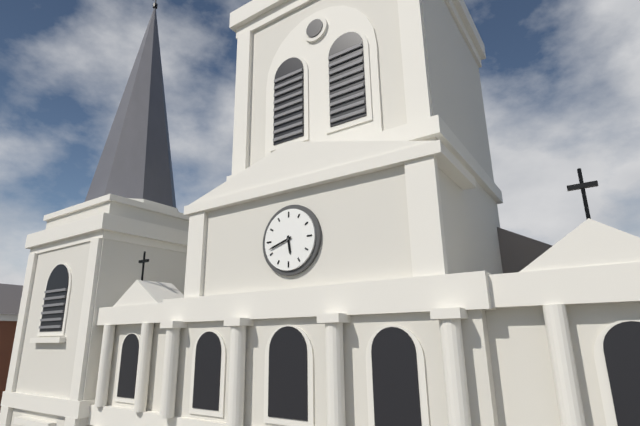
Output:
5:42
